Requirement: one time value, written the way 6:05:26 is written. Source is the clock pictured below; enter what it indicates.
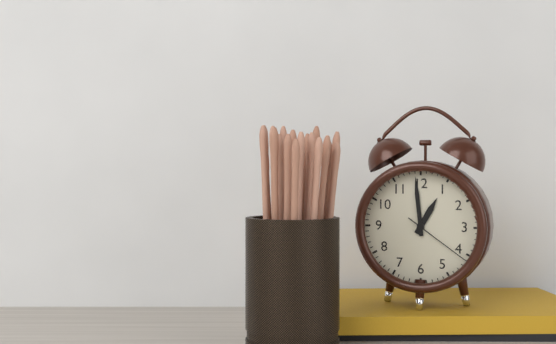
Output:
12:59:21
